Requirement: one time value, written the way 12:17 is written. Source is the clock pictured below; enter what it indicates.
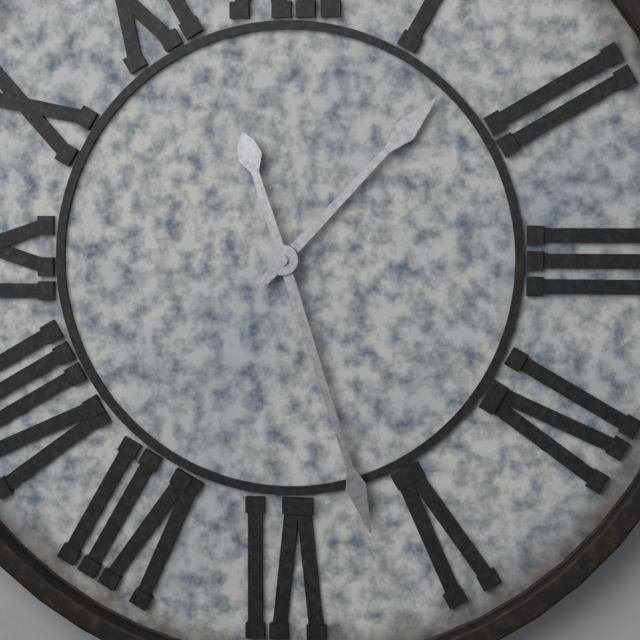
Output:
1:27
